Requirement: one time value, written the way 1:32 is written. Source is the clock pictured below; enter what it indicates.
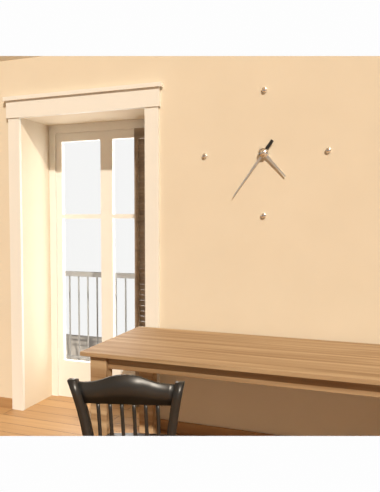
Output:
4:36
